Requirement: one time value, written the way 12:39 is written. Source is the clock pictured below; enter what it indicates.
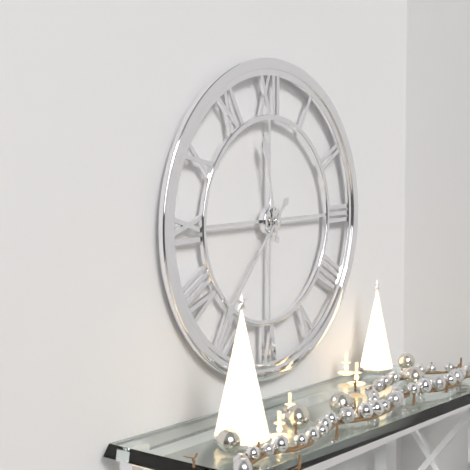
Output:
11:37
